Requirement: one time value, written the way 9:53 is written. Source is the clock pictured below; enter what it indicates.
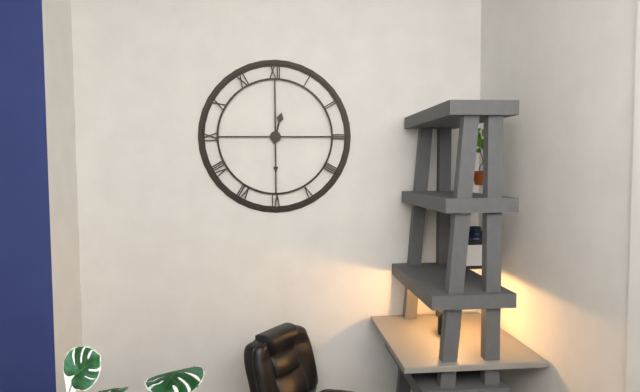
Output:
12:30
